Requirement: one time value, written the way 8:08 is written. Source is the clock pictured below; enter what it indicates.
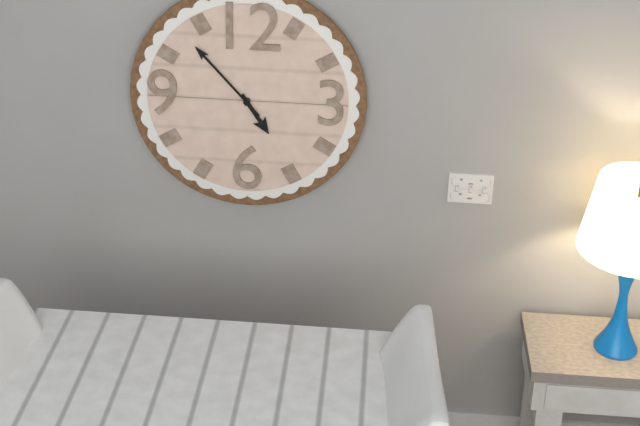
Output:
4:53
